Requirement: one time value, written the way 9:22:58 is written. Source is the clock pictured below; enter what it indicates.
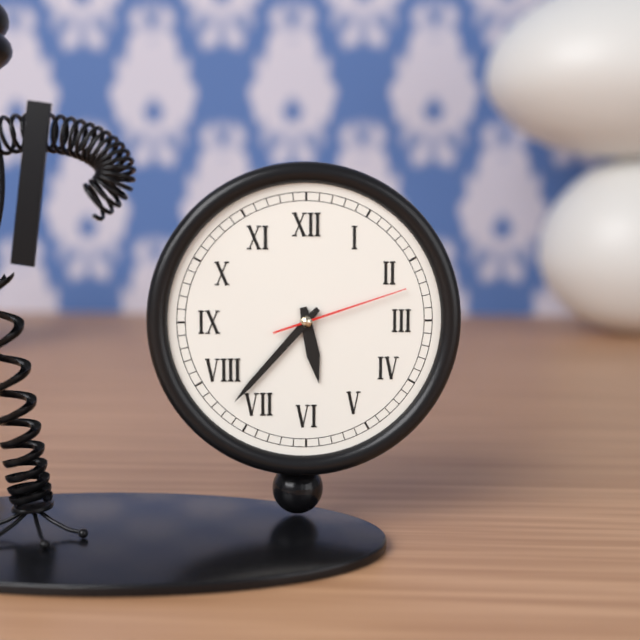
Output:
5:37:12
